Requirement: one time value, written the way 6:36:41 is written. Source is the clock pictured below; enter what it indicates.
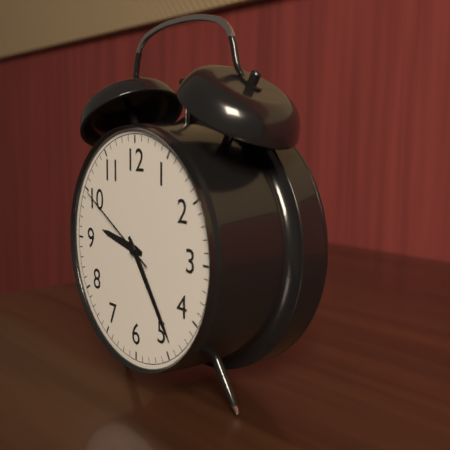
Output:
9:24:50
